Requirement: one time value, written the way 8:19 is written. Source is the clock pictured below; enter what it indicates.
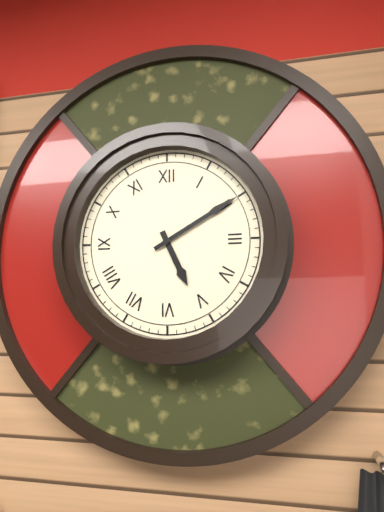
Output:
5:10
